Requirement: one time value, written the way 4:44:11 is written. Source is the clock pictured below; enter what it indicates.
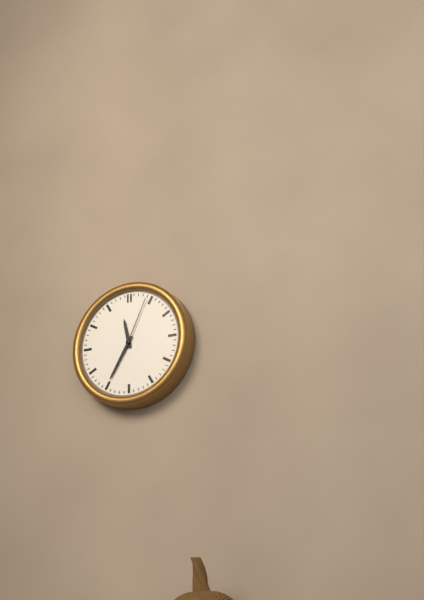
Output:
11:35:04
